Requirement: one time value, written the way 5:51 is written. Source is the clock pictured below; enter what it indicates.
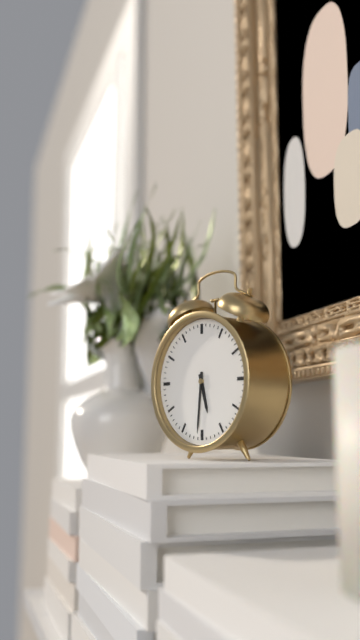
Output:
5:31
